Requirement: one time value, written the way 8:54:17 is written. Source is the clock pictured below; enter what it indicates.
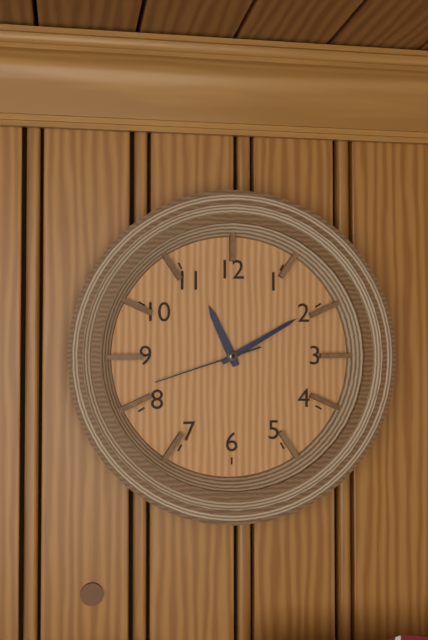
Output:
11:10:42
